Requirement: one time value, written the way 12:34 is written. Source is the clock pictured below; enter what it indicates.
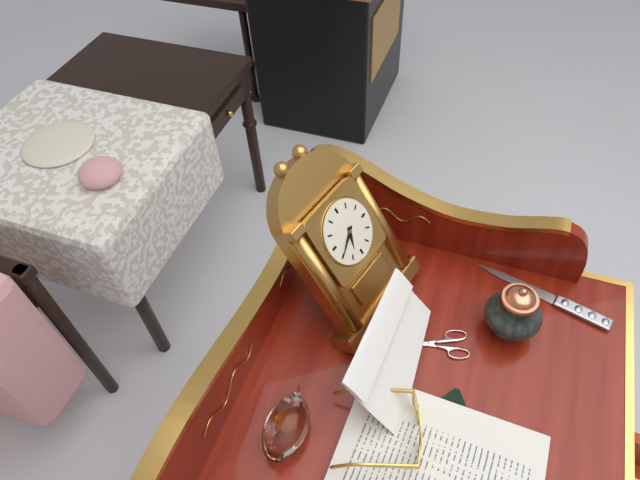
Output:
6:40
